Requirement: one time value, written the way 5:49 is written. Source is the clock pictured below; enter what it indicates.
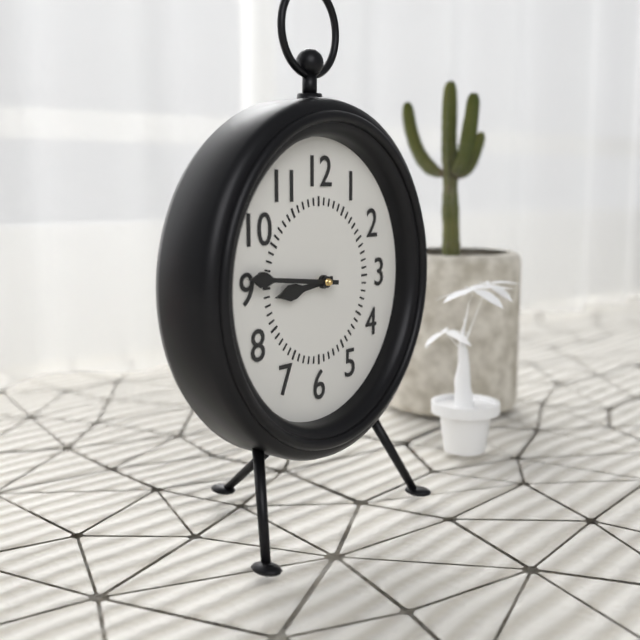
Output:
8:46
